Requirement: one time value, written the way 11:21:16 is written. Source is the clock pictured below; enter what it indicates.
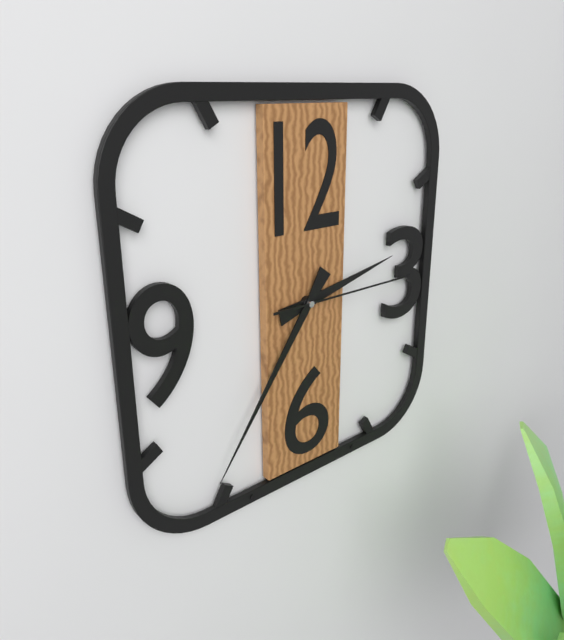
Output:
2:36:15
